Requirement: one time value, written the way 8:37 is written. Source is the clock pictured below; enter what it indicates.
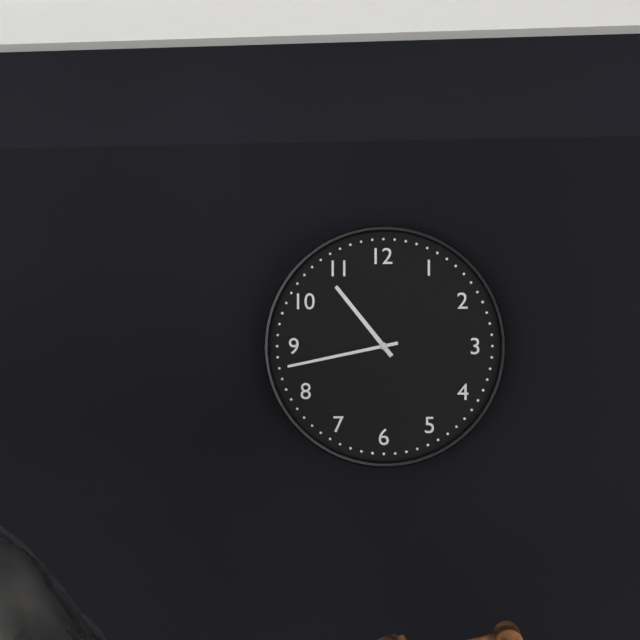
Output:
10:43
